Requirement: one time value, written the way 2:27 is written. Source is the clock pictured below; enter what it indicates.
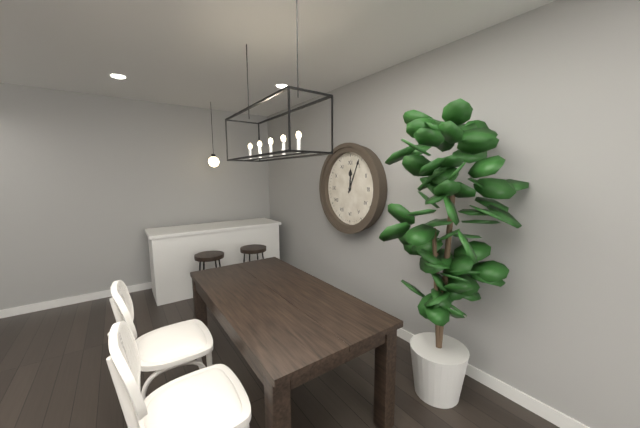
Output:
12:04
